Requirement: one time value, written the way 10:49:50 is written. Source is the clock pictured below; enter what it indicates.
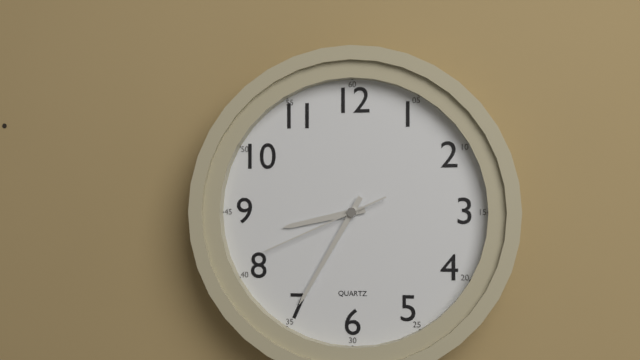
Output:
8:35:41
